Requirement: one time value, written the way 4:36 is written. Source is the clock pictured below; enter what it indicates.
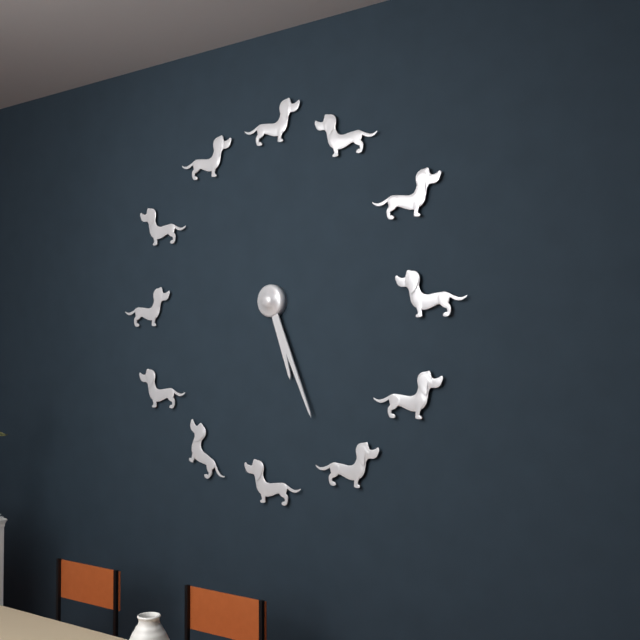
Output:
5:26
